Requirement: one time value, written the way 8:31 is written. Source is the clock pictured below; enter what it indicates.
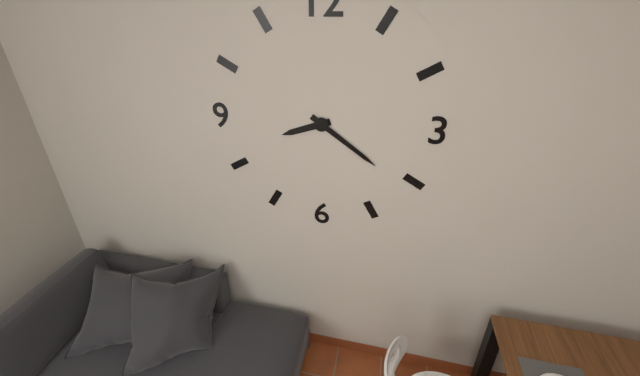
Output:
8:21
